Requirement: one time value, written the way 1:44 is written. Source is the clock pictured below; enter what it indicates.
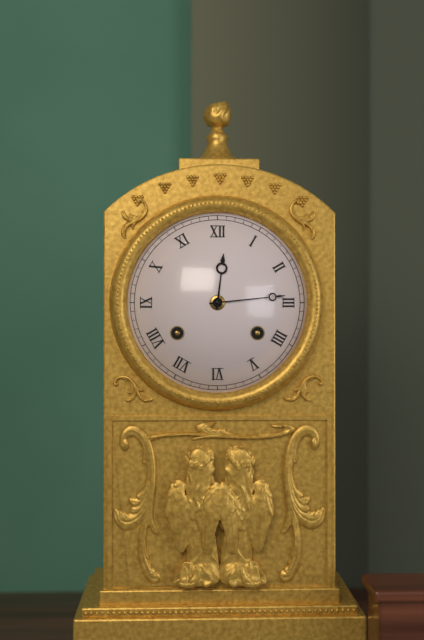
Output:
12:14
